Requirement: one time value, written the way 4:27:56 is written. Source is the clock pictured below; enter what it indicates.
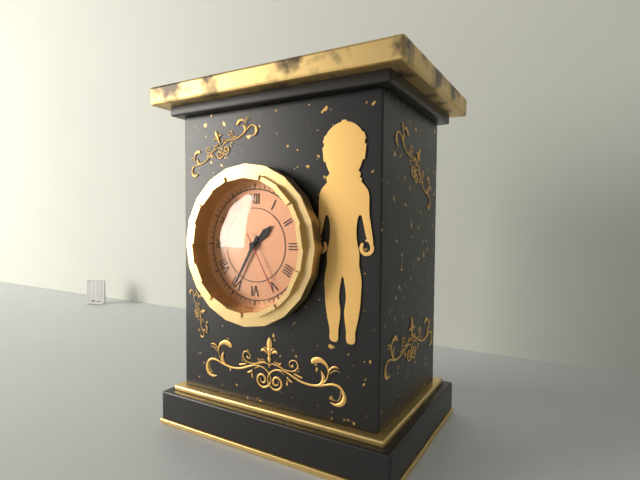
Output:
1:35:25
